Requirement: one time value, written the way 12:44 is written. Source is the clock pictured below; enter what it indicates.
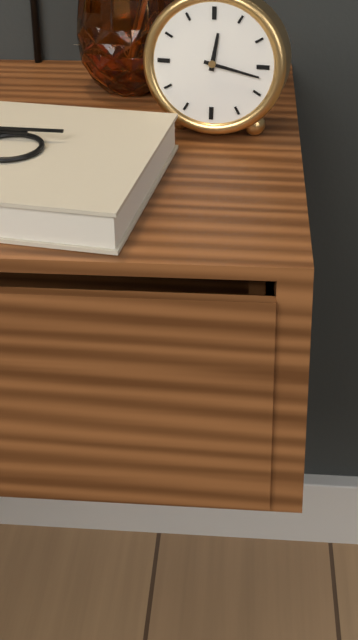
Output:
12:17
